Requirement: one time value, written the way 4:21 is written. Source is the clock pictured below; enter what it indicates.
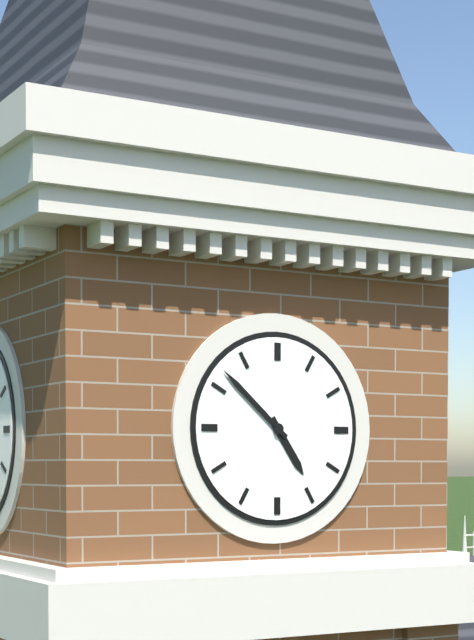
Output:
4:52
